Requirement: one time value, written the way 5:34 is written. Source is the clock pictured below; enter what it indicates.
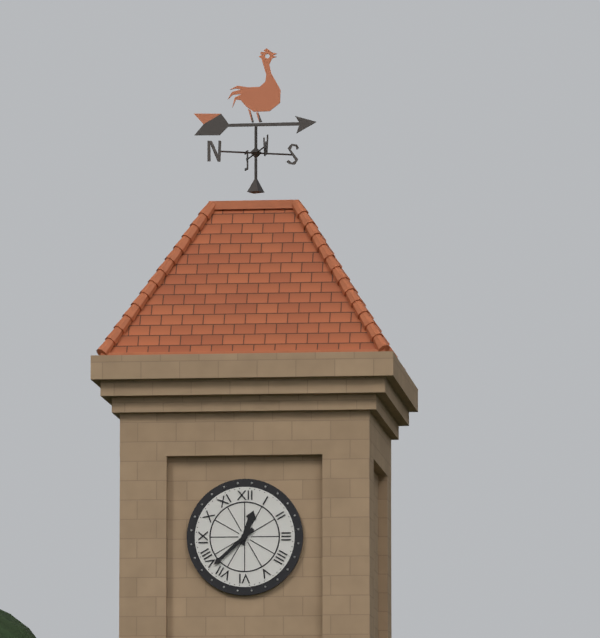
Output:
12:38
